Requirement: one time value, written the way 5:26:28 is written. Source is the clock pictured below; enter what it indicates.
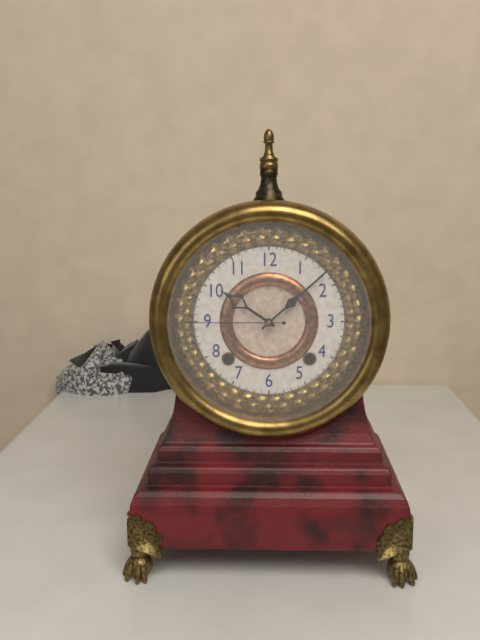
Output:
10:08:45
